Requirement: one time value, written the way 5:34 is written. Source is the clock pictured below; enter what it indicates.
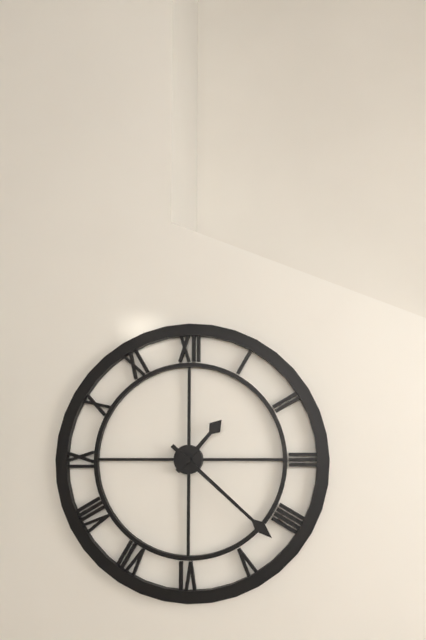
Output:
1:22
